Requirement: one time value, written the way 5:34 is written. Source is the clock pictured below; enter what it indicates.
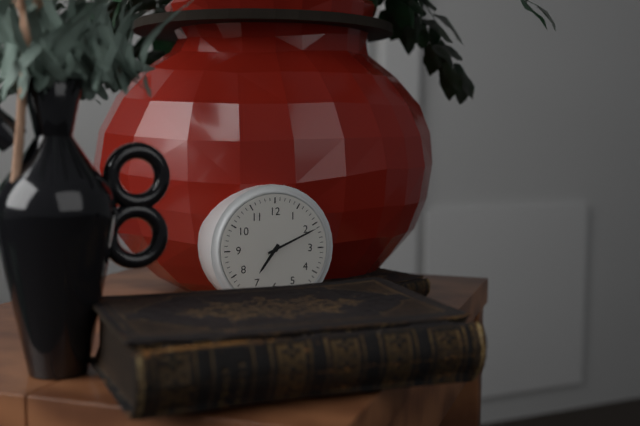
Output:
7:11
